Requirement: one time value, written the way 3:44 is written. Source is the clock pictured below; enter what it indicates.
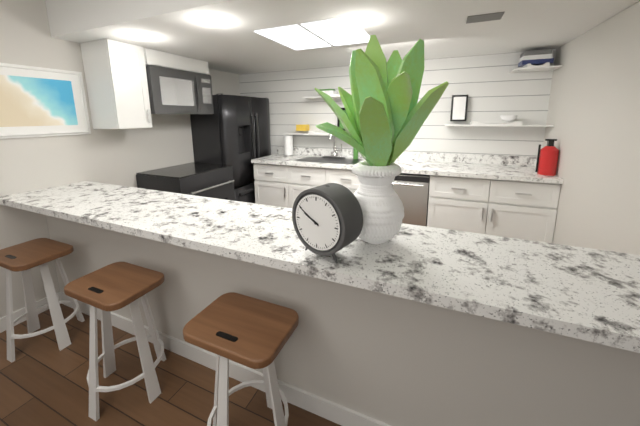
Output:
9:50
